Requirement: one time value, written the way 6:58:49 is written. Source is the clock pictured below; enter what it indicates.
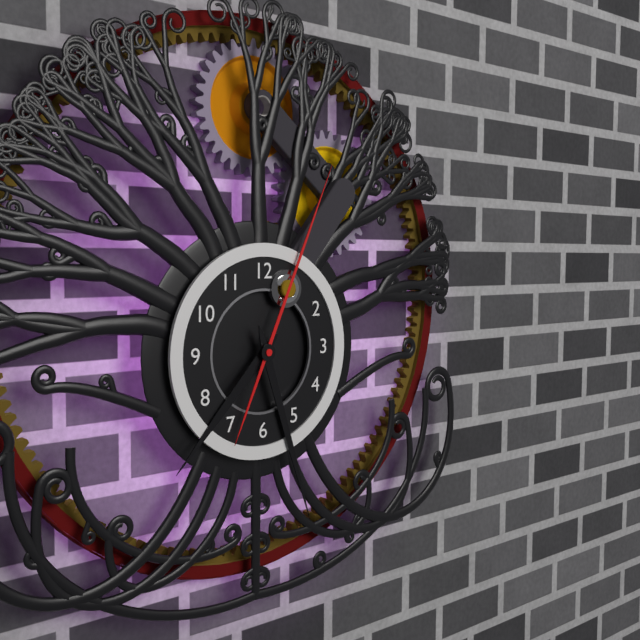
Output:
7:27:04
